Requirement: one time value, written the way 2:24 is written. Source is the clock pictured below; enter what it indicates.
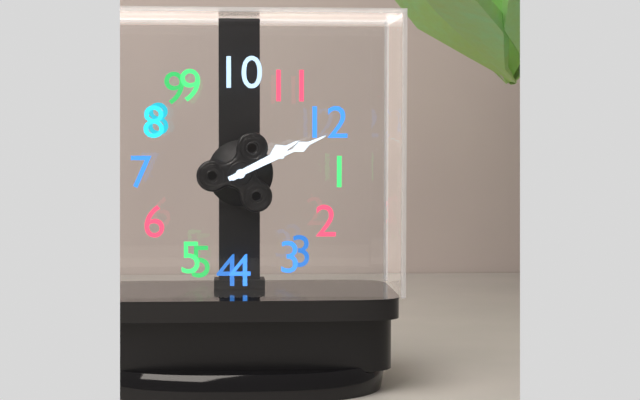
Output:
12:01
